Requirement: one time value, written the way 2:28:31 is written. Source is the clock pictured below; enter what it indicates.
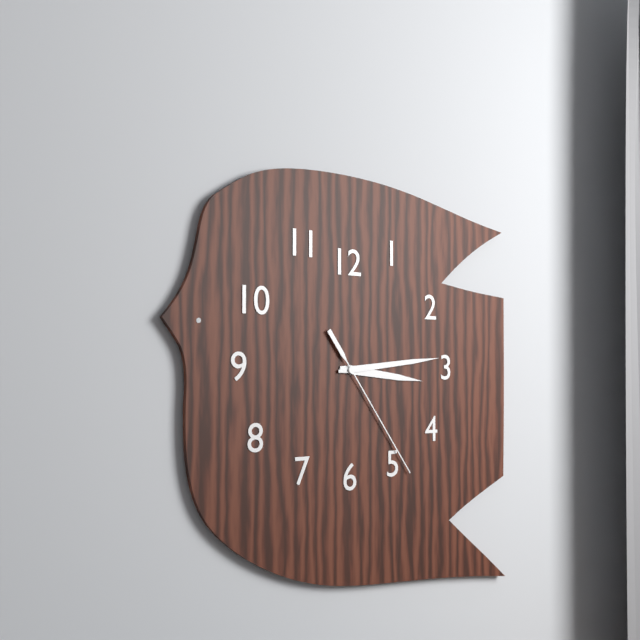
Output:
3:14:24
